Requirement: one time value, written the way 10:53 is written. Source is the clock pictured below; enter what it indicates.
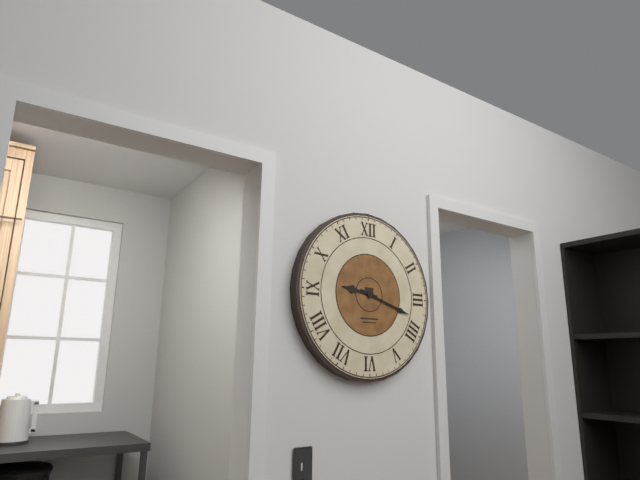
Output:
9:18
